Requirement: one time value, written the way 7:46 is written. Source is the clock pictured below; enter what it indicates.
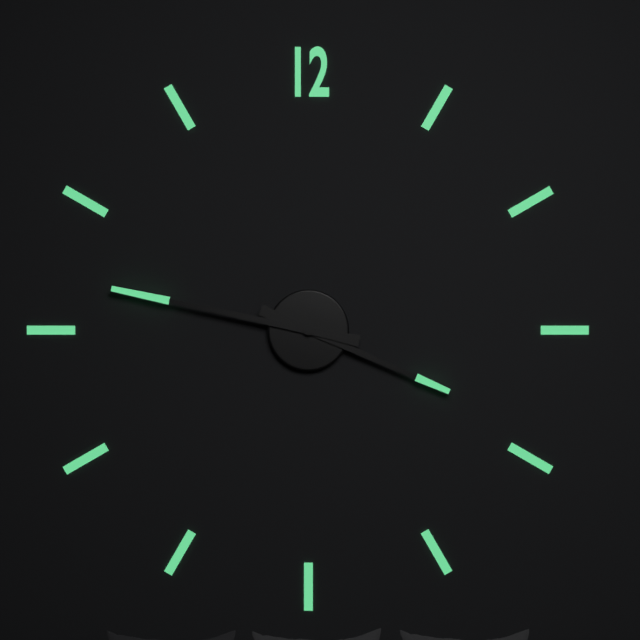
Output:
3:47
